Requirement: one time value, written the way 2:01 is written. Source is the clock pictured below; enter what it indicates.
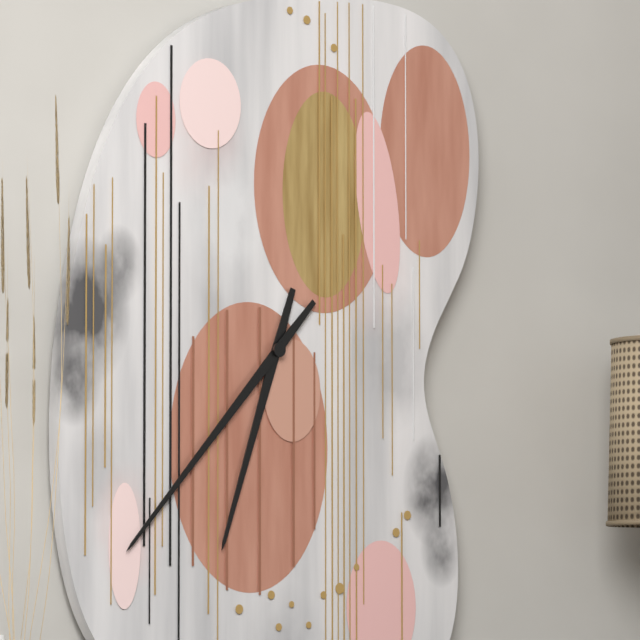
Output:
6:37
